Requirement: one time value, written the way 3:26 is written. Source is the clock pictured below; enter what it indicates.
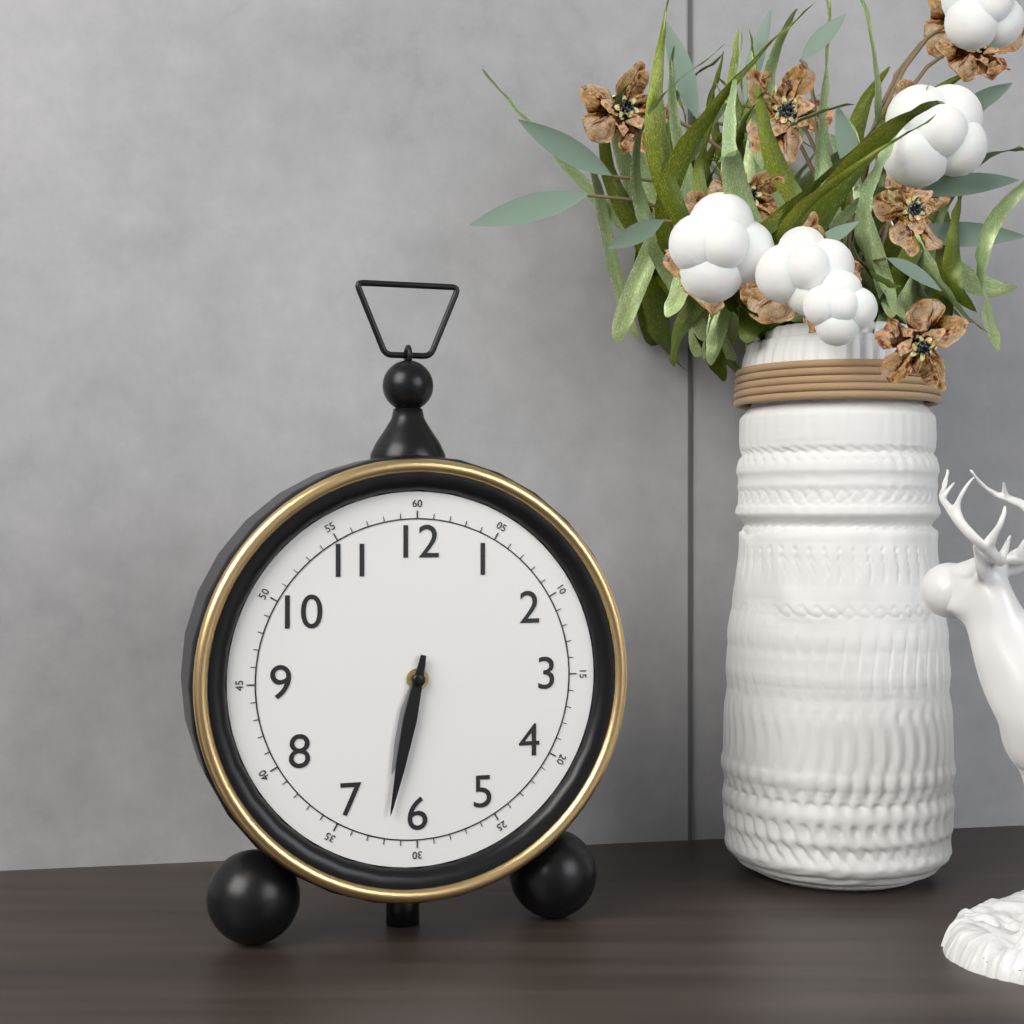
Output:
6:32
